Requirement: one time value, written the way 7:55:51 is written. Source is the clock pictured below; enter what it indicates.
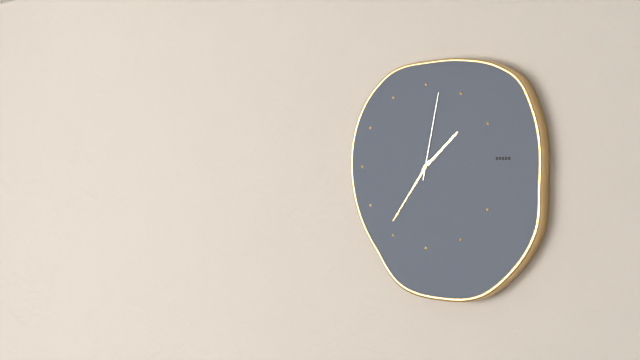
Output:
1:36:02
